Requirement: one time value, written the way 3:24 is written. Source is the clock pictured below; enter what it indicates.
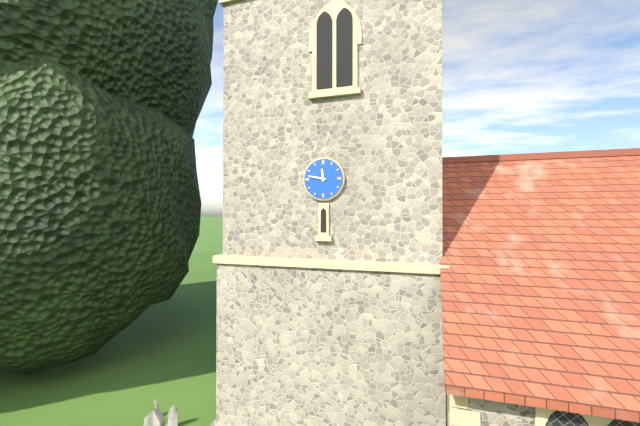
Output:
11:47
